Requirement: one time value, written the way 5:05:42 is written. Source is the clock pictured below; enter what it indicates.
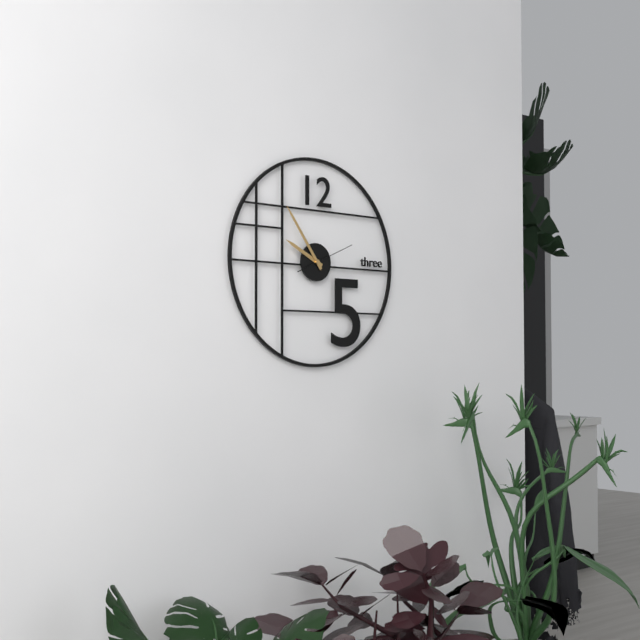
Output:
9:54:11
